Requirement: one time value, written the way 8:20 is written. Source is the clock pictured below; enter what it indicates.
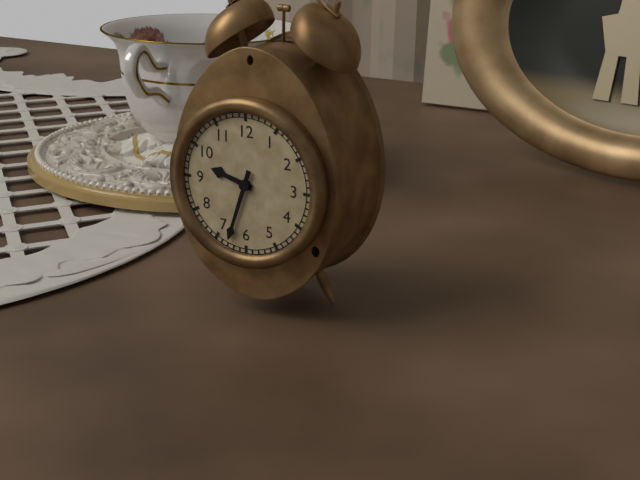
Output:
9:33
